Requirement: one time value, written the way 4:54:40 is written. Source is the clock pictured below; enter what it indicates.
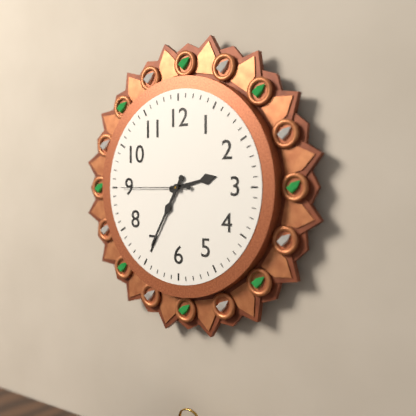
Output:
2:35:45
